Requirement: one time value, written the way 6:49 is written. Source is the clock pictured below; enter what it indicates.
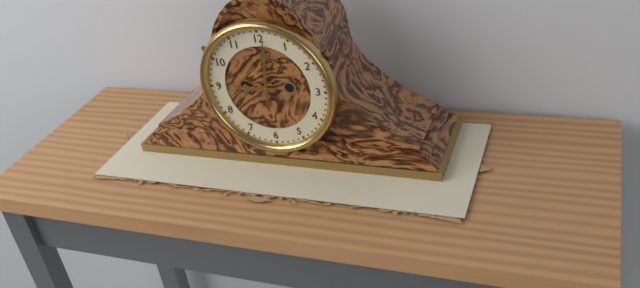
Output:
9:01
